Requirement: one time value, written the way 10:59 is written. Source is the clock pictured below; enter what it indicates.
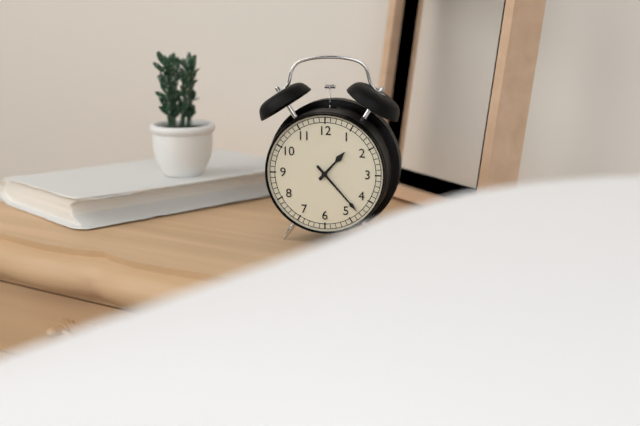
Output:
1:23
